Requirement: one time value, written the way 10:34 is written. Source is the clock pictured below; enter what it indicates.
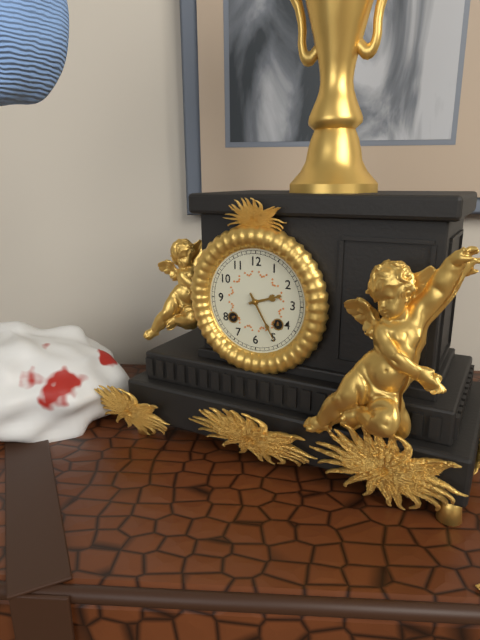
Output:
2:25
